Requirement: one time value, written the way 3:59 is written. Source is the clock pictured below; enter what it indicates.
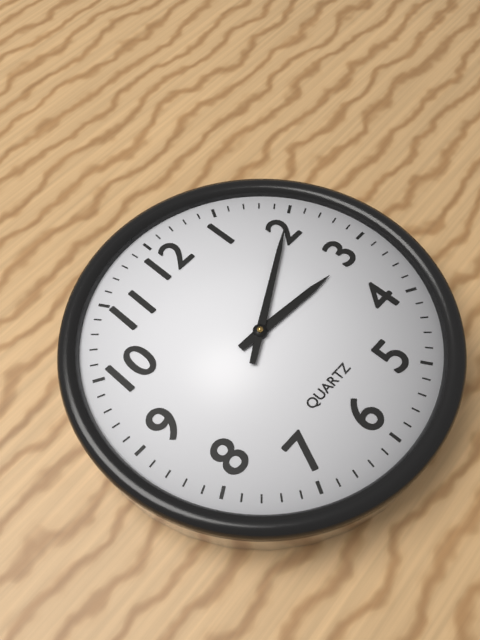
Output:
3:10
